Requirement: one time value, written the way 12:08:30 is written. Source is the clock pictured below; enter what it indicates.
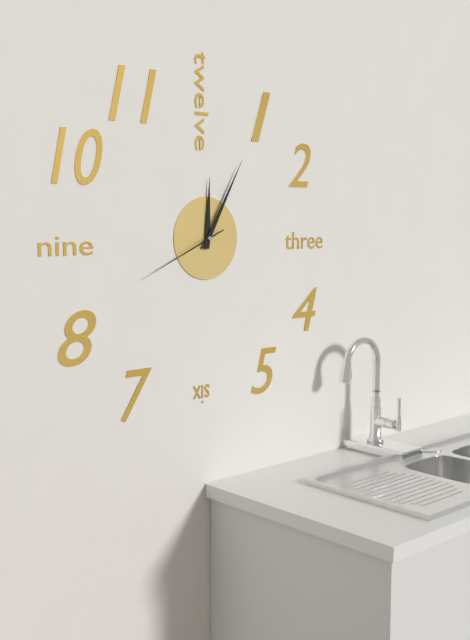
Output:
12:05:41
